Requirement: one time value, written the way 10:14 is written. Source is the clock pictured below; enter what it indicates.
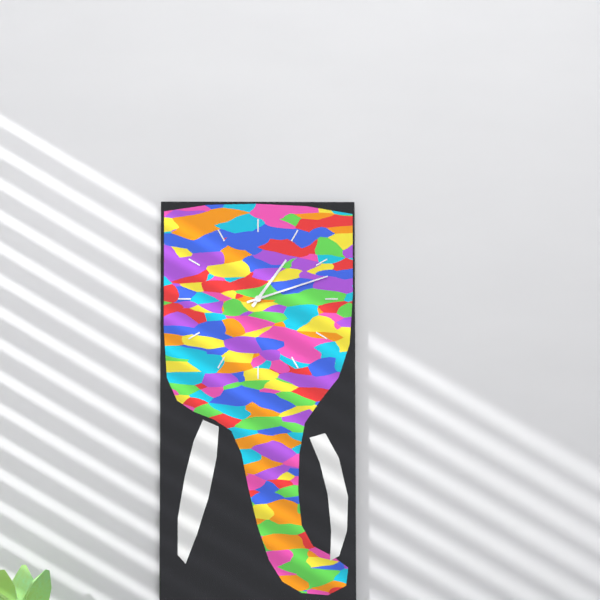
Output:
1:12
